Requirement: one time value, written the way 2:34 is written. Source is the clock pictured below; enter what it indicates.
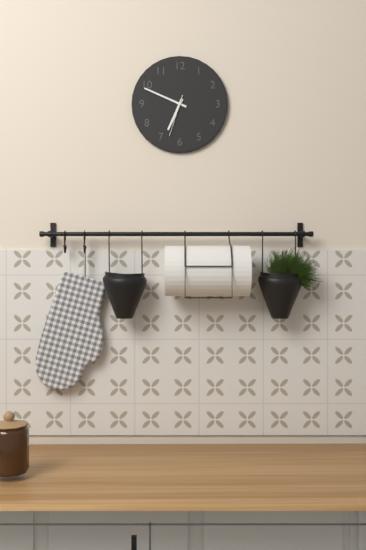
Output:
6:49
